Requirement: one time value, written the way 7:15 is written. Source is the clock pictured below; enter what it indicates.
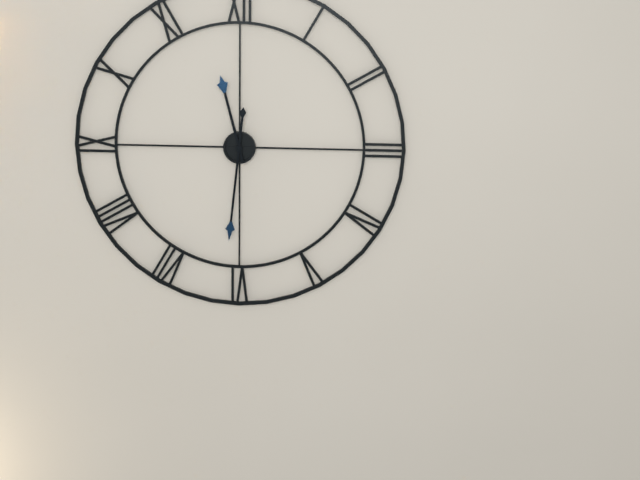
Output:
11:31
